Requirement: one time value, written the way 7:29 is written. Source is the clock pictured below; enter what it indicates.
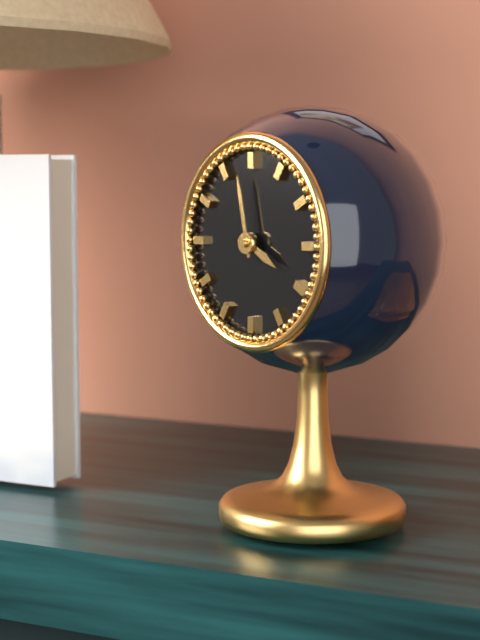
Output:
3:58
